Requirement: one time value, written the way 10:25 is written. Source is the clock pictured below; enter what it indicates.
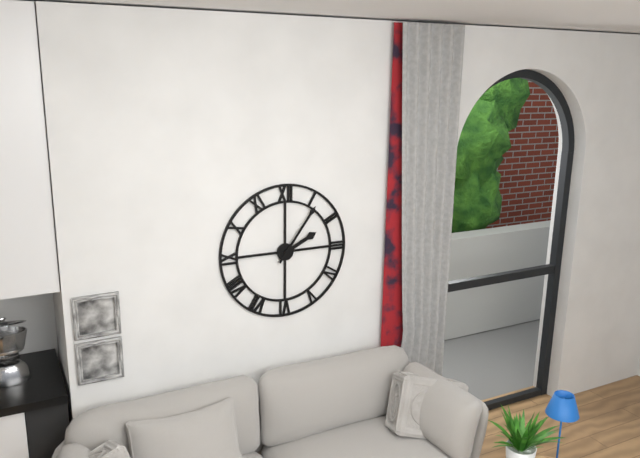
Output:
2:06
